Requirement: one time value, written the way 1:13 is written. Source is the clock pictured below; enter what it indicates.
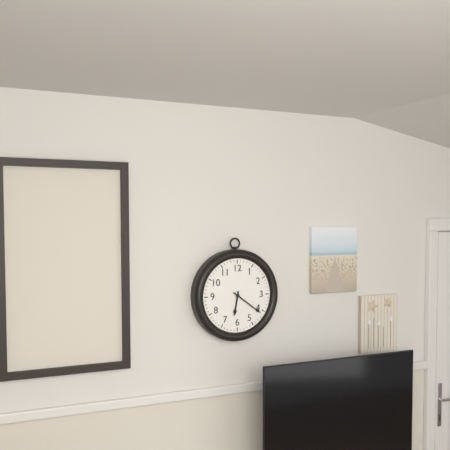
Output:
6:21
